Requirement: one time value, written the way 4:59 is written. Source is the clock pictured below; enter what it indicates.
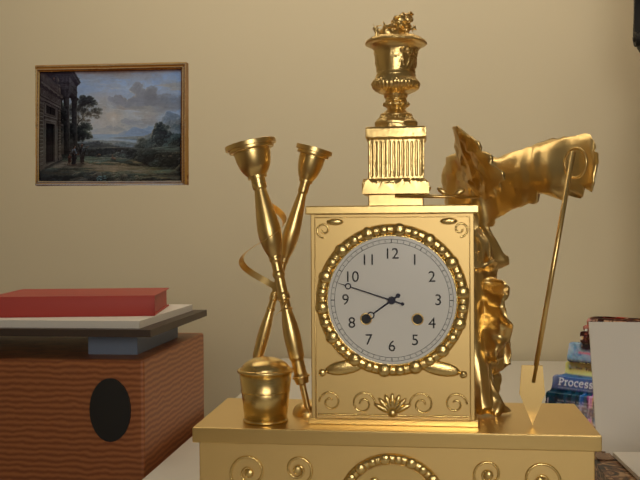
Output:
7:48
